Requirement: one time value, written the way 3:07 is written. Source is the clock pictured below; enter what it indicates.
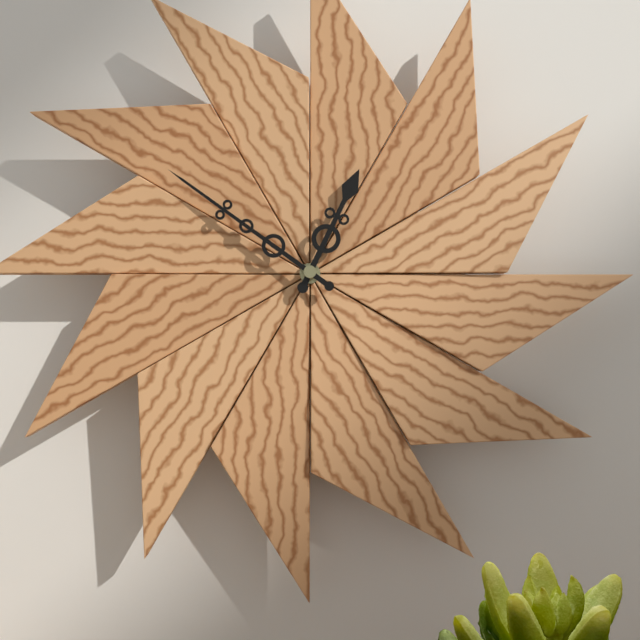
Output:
12:51
